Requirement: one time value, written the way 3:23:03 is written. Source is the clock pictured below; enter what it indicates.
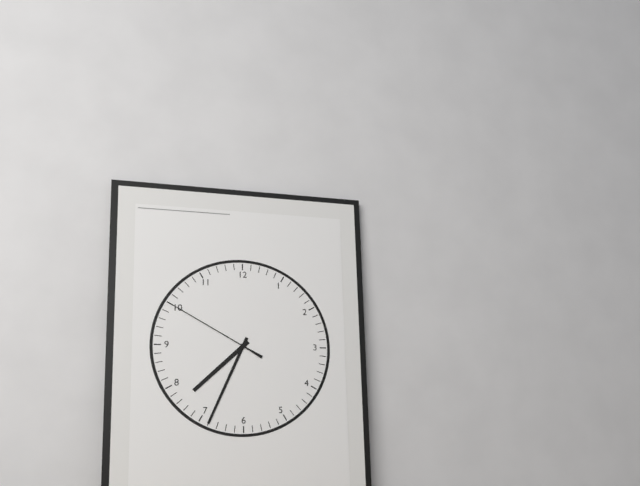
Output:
7:34:50
